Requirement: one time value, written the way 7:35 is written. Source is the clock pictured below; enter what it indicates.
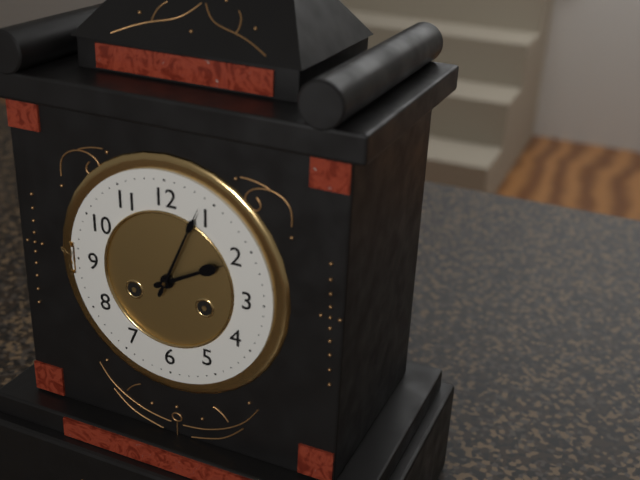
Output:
2:04
